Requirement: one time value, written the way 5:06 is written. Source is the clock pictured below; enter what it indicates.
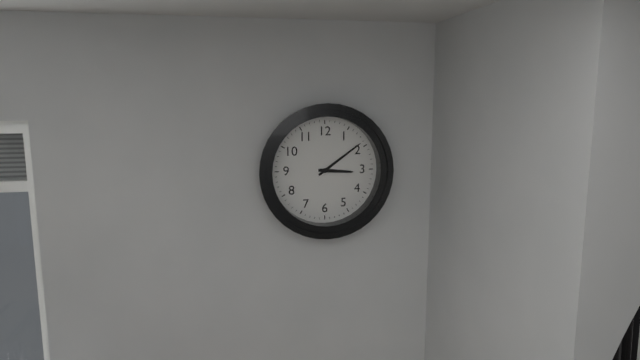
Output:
3:09
